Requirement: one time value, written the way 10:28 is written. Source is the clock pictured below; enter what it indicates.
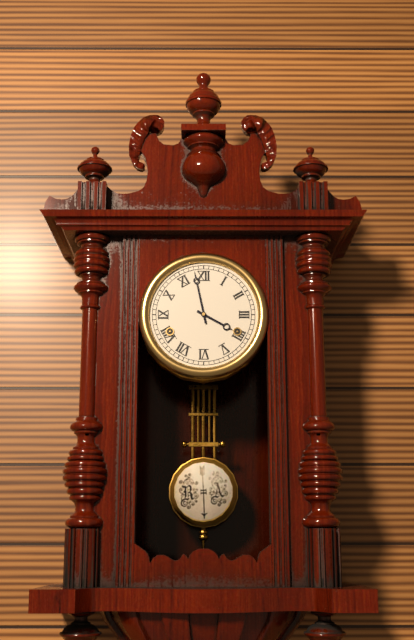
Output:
3:58
